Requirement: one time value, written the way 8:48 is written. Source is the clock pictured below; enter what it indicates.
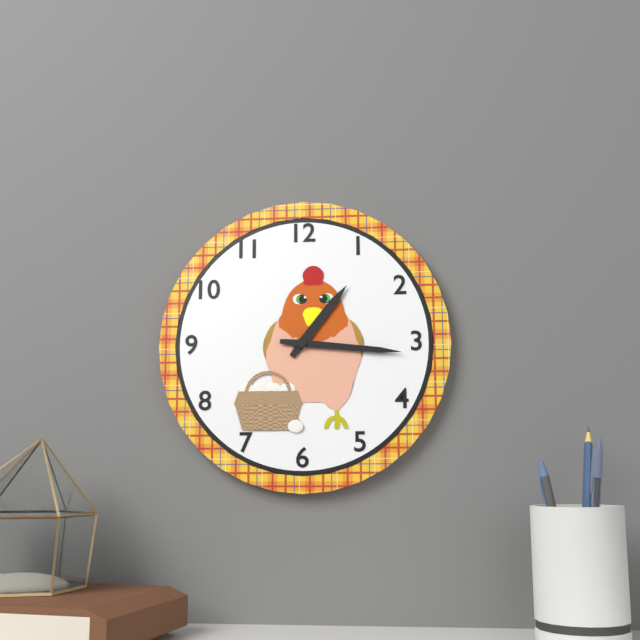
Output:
1:16
